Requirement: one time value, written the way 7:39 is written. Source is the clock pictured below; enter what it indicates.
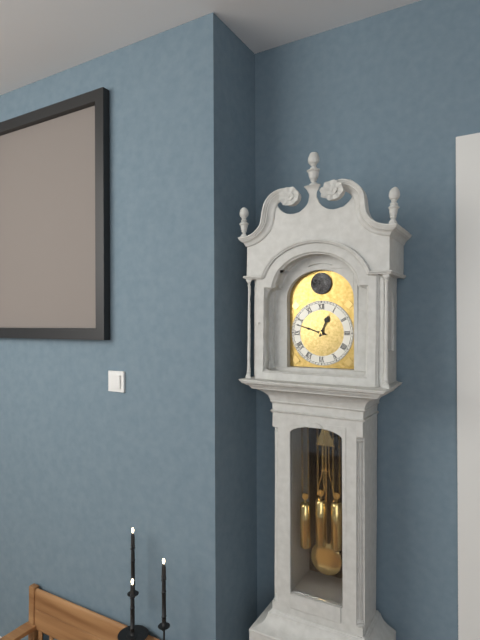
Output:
12:48
